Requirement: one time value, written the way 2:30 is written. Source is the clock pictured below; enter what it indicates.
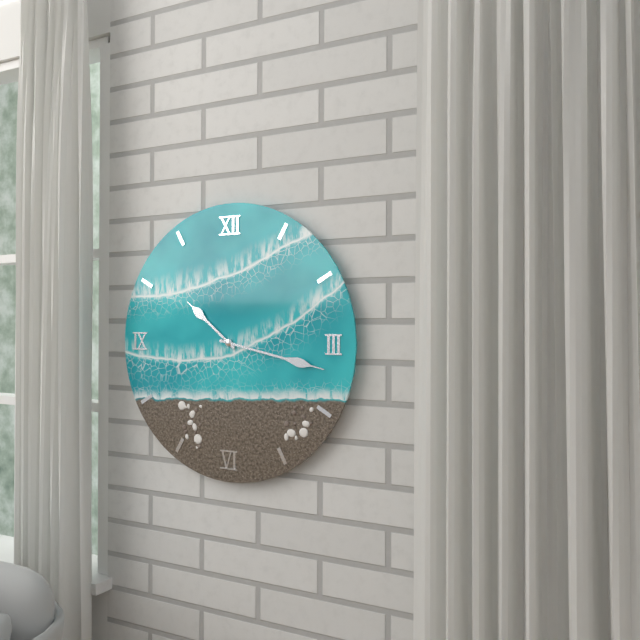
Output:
10:17
